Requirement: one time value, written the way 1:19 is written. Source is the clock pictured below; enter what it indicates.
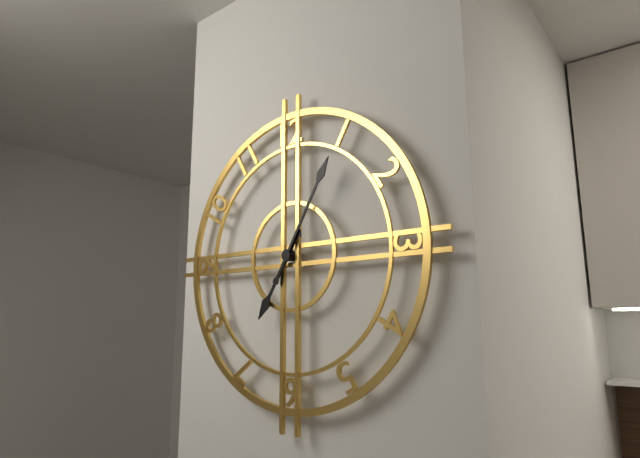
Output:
7:05
